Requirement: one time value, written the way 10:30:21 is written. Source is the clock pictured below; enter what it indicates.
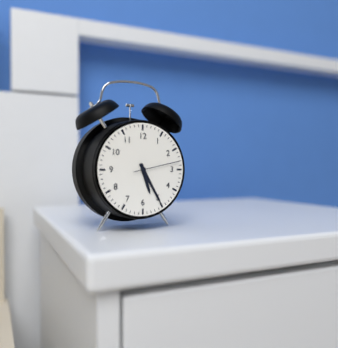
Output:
5:25:13
